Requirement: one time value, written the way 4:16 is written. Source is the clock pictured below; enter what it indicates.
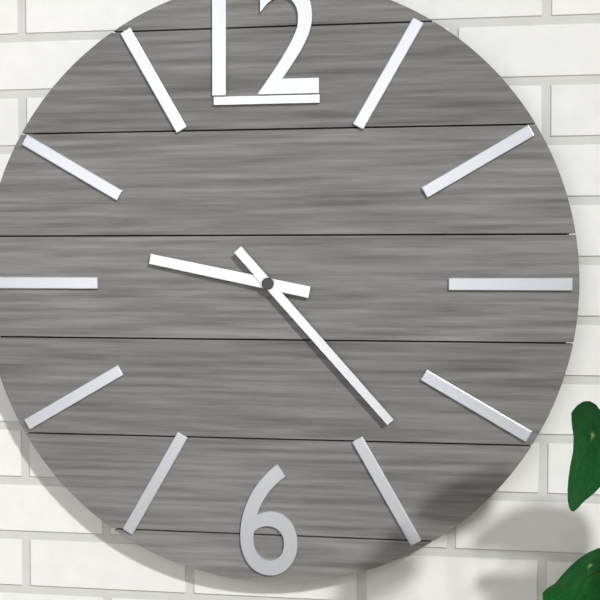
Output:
9:23
